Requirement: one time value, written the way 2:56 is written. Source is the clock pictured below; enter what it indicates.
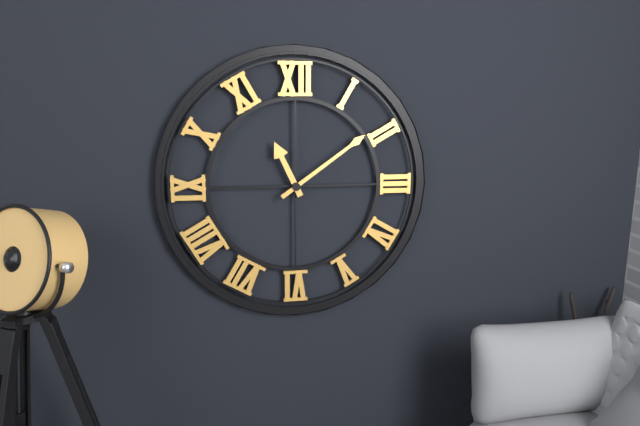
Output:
11:09
